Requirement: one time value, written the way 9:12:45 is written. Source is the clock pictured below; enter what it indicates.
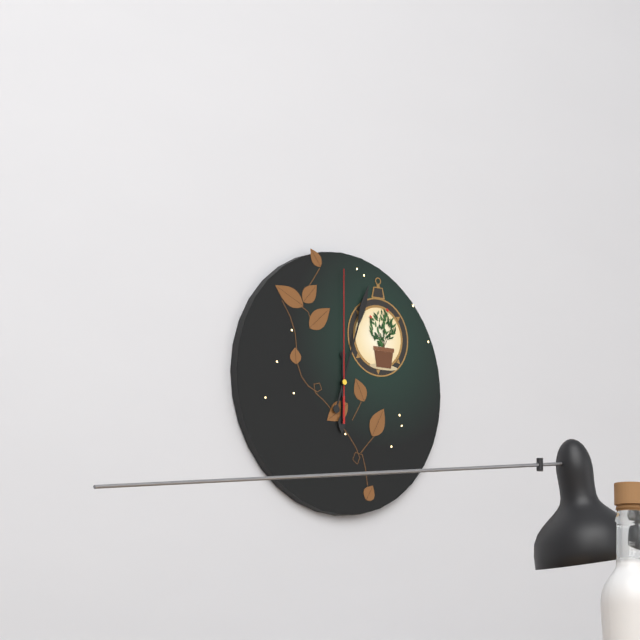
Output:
6:03:00
